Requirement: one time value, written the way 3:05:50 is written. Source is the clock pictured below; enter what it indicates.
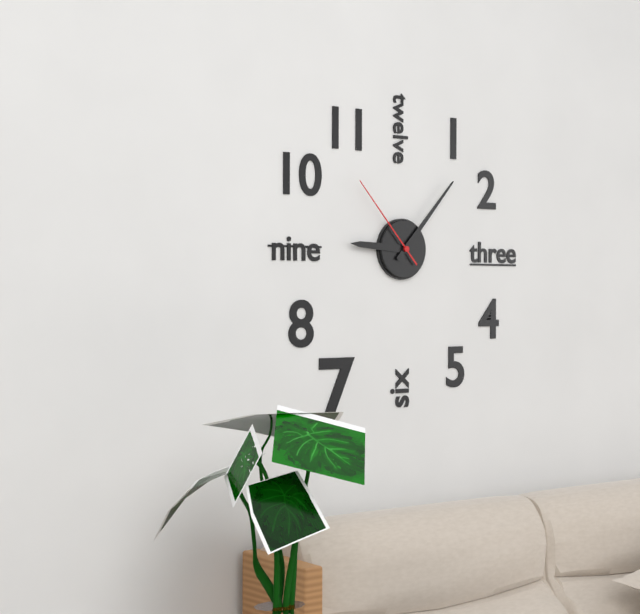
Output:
9:07:53
